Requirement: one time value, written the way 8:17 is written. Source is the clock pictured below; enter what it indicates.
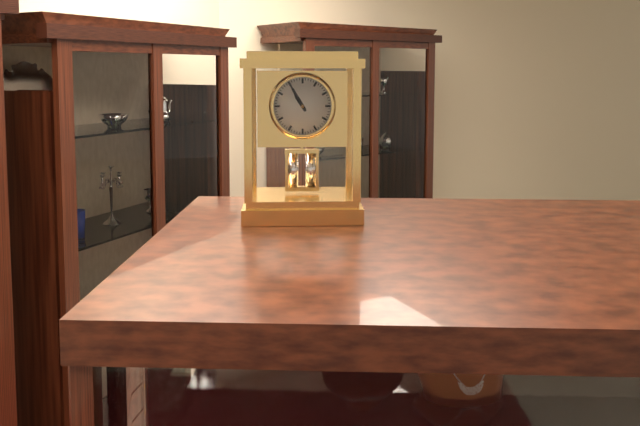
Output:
10:55
